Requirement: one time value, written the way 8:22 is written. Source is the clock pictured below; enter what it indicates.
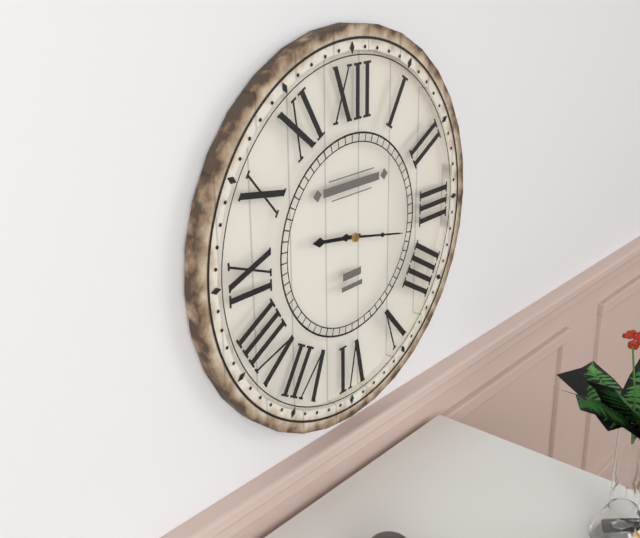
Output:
9:17
